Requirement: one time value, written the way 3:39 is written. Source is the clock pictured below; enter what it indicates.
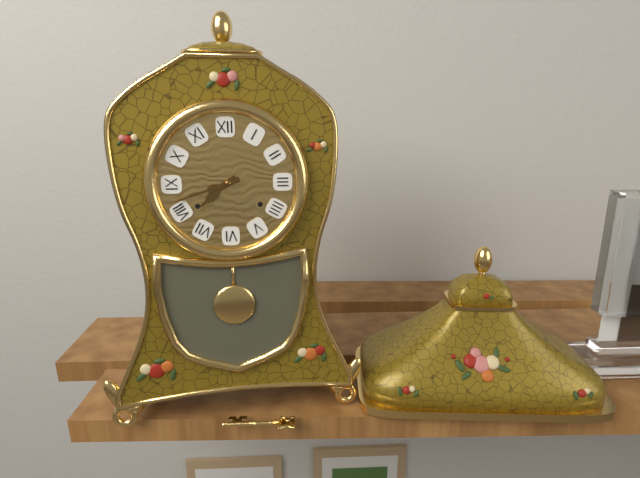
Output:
7:42
